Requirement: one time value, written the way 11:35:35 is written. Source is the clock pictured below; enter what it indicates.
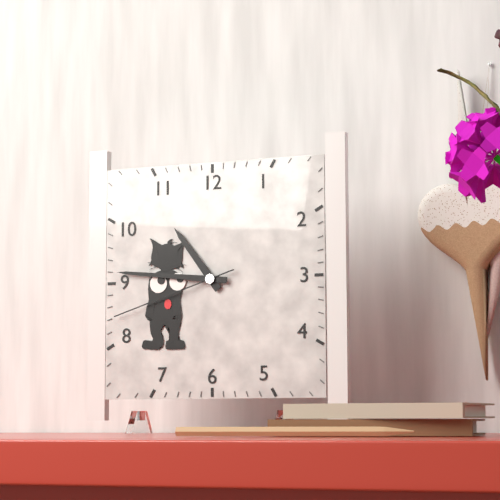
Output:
10:46:42
